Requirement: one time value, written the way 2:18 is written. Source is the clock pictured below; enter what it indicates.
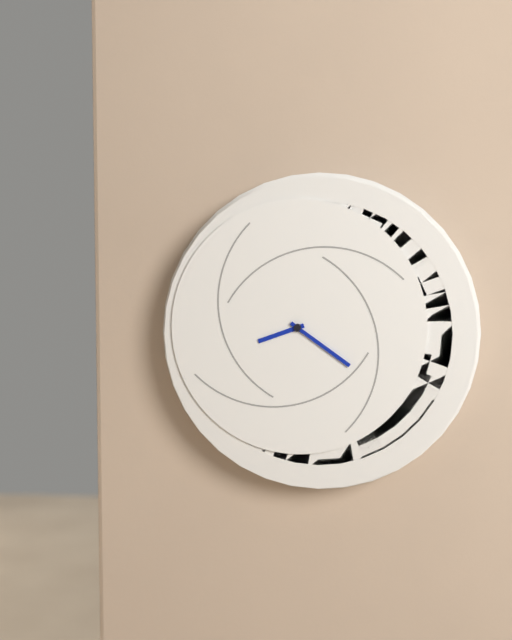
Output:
8:21
